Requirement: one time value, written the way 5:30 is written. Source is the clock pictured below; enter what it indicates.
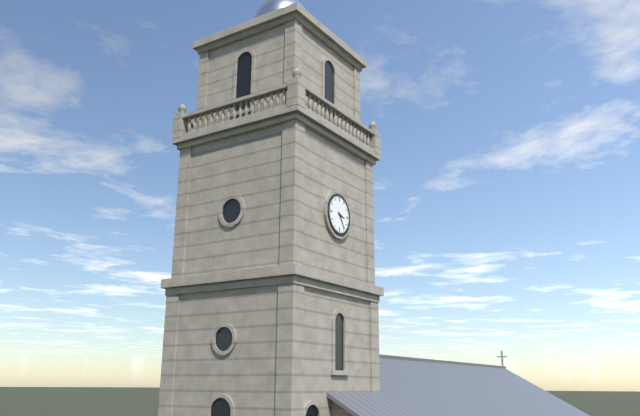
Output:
3:24
